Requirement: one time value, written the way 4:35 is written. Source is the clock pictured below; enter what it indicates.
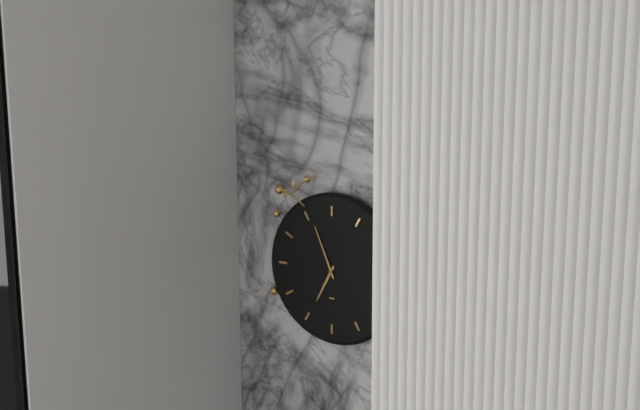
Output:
6:56
